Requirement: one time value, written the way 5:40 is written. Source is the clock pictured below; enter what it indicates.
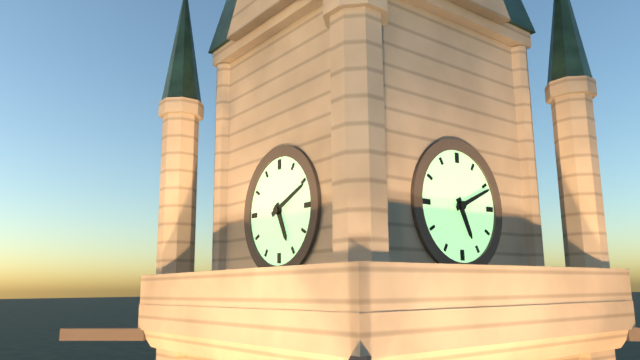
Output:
5:11
